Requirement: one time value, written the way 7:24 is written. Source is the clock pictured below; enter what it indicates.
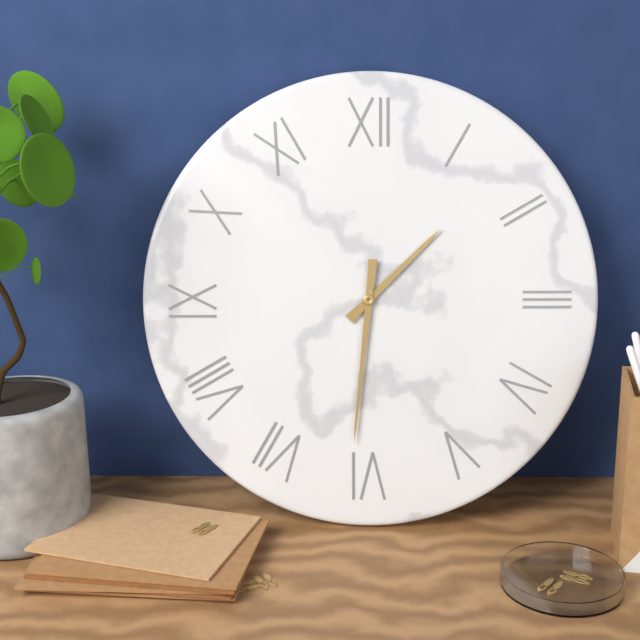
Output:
1:31
